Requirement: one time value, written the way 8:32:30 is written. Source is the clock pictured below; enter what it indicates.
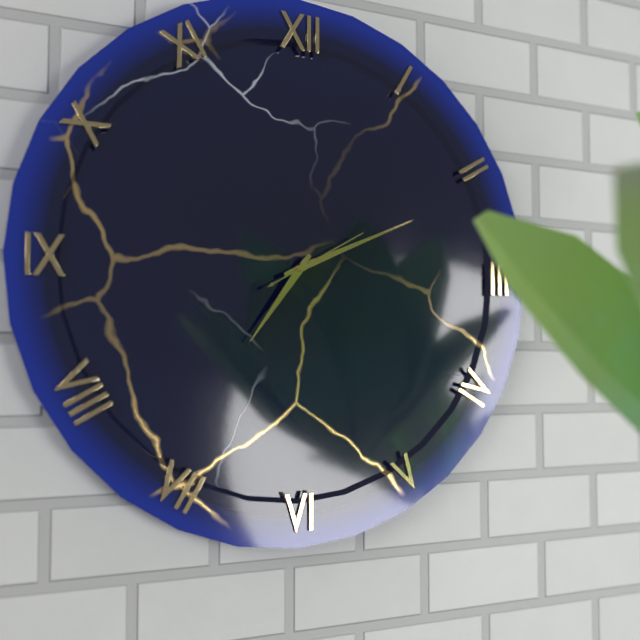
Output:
7:11:10
